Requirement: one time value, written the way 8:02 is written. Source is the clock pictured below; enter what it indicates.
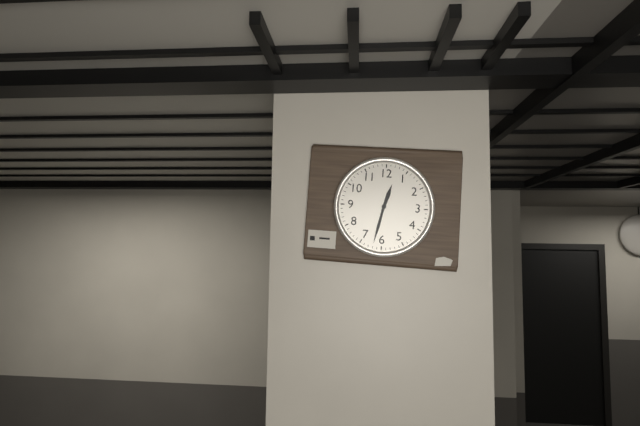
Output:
12:32
